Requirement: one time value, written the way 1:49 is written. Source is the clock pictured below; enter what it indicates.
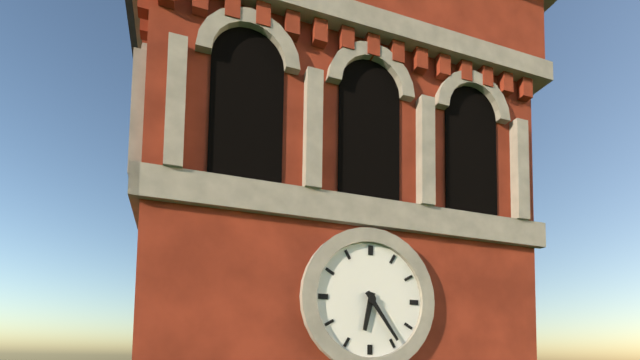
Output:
6:24
